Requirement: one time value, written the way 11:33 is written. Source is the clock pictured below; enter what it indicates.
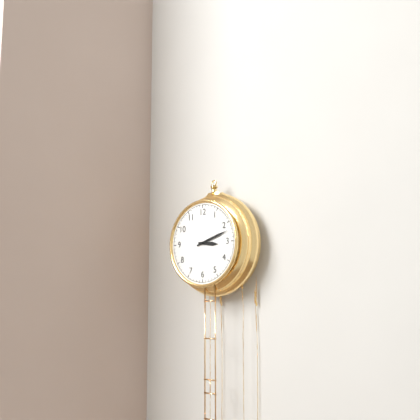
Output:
3:12
